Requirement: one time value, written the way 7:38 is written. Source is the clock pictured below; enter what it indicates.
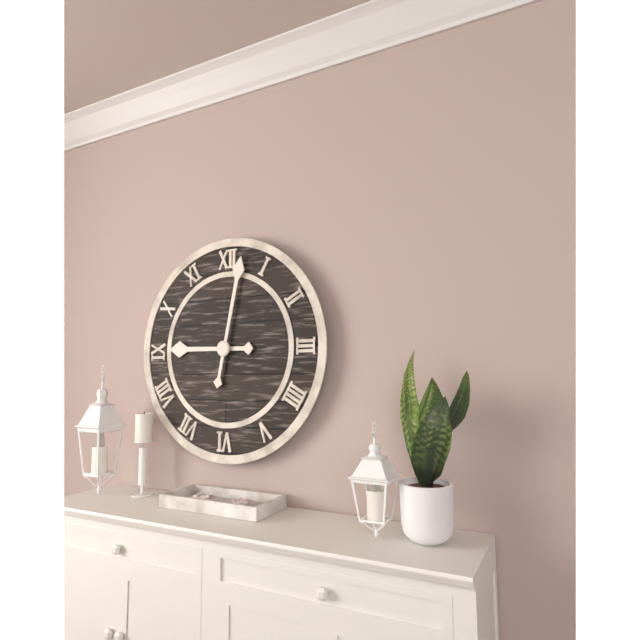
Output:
9:02
